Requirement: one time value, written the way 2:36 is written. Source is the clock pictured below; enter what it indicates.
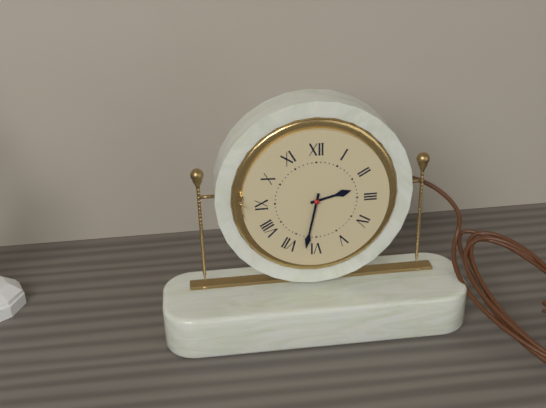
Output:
2:32
